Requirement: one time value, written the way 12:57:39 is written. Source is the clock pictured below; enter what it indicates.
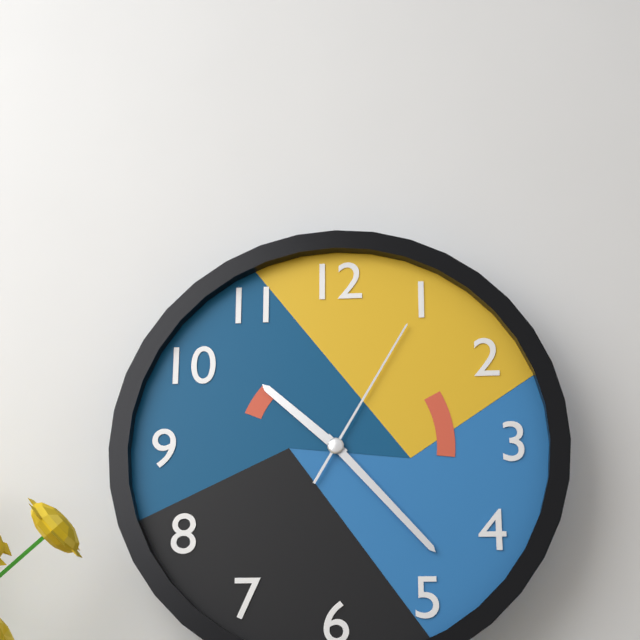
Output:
10:23:05
